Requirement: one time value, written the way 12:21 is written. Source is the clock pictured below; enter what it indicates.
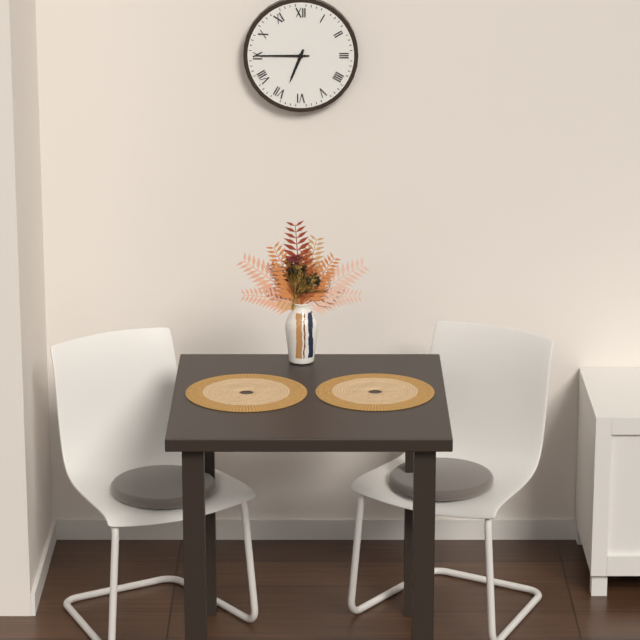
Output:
6:45
